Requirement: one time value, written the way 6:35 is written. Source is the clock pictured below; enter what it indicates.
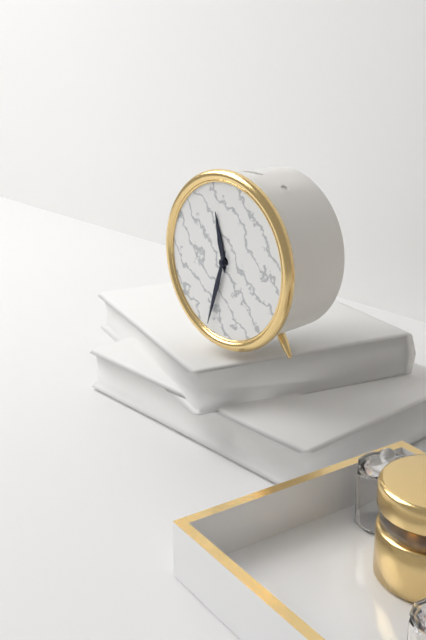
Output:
11:33
